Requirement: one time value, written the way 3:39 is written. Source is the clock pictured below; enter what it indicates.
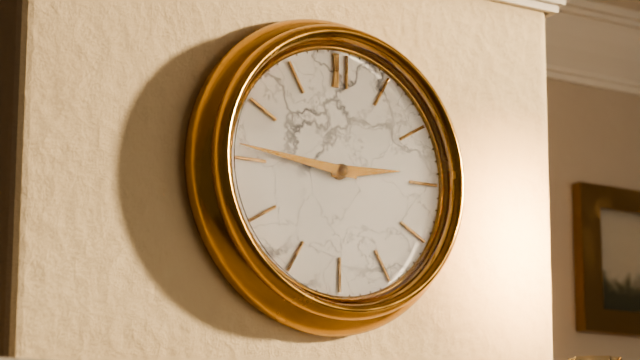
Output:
2:46
